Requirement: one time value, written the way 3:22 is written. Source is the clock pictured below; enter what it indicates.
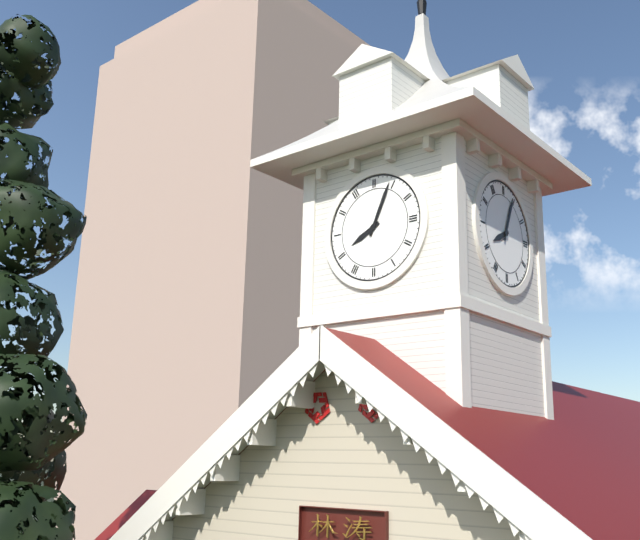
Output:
8:04
